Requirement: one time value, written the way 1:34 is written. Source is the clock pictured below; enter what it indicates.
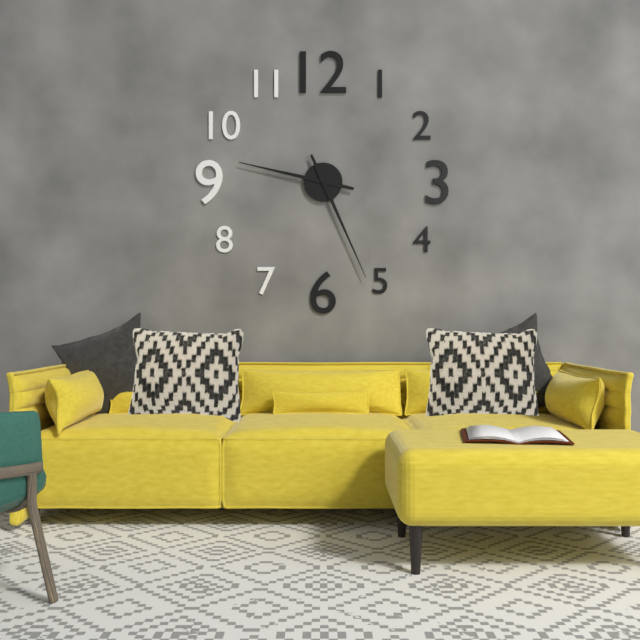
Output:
9:26
